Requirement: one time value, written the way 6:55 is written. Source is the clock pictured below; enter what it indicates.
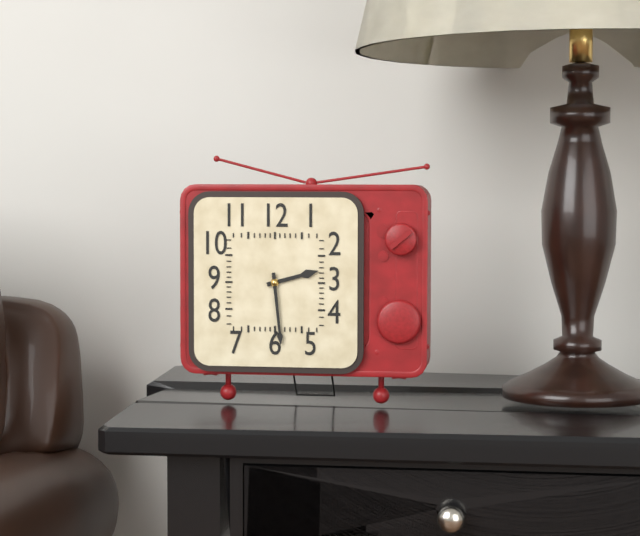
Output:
2:29
